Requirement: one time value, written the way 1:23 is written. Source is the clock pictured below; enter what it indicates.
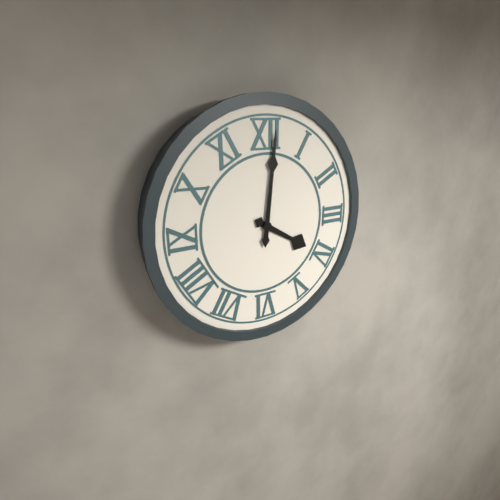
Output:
4:01
